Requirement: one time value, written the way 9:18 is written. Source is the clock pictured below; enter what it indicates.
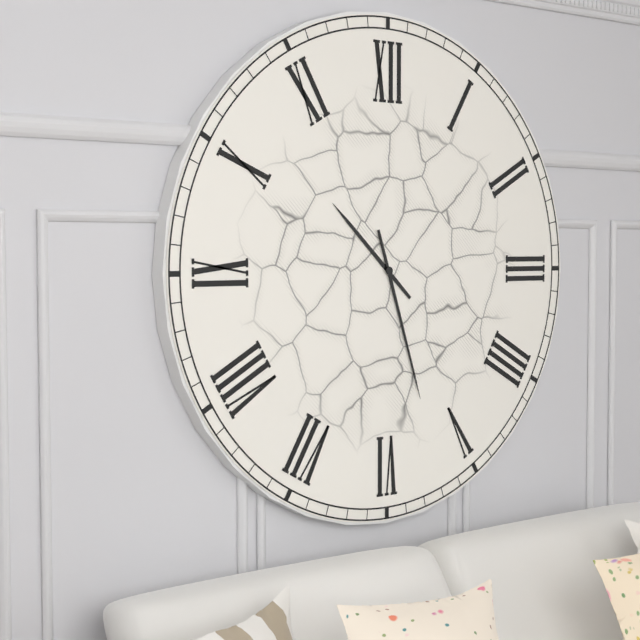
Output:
10:27
